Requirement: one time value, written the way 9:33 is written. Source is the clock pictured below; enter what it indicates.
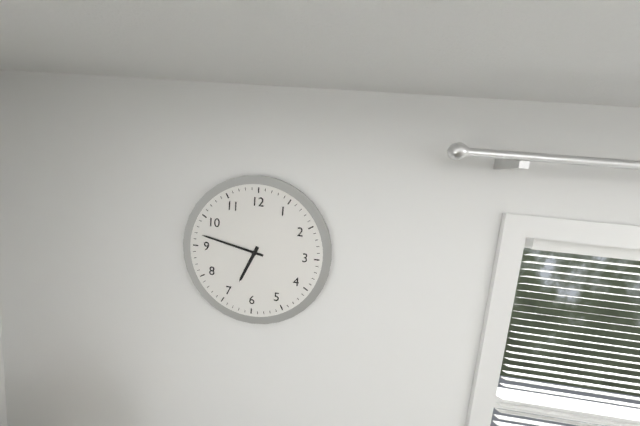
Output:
6:47
